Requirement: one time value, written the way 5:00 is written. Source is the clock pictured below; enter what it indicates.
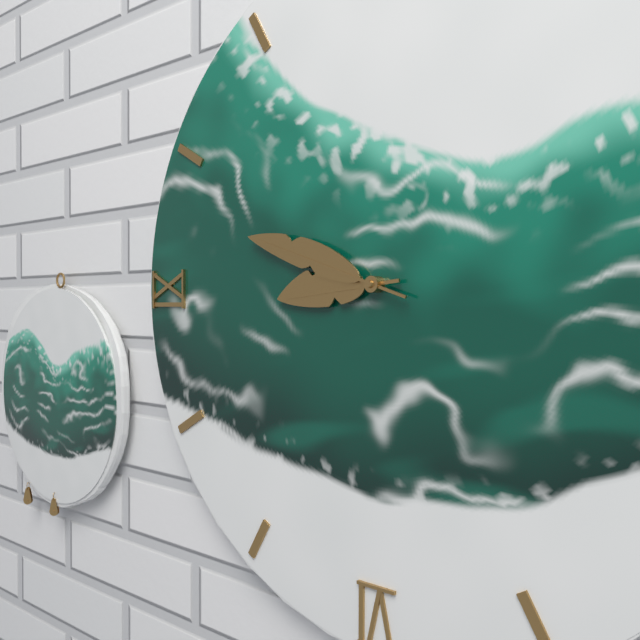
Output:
8:48
